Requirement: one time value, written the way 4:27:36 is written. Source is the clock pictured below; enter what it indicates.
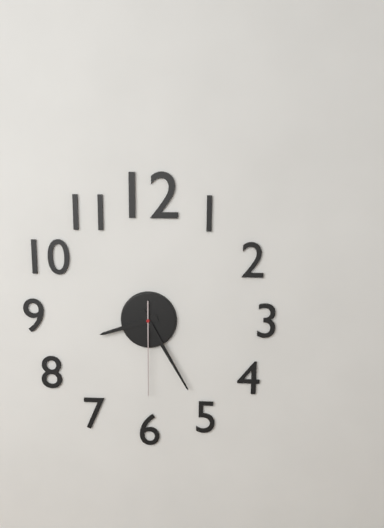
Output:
8:25:30
